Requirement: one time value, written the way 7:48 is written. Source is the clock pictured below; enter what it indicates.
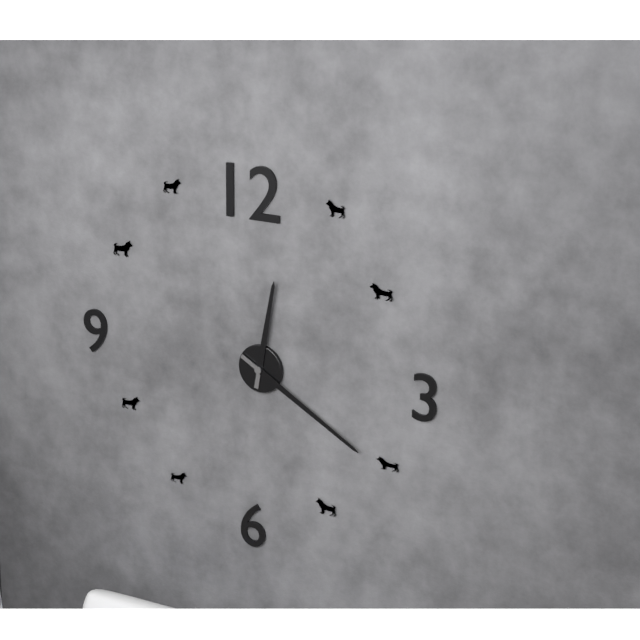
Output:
12:20
